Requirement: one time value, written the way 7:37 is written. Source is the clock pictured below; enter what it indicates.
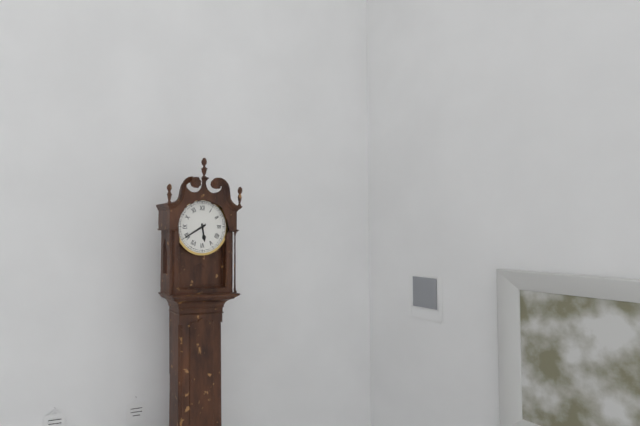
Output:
5:40
